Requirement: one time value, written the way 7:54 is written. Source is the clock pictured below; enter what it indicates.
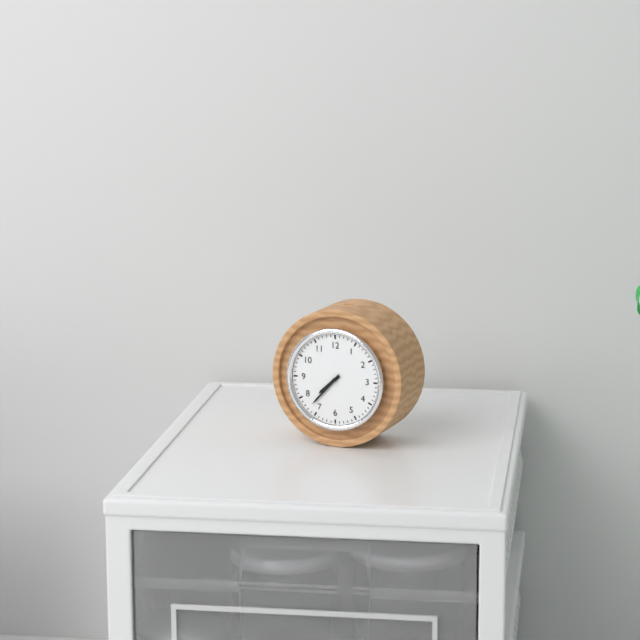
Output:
7:37
